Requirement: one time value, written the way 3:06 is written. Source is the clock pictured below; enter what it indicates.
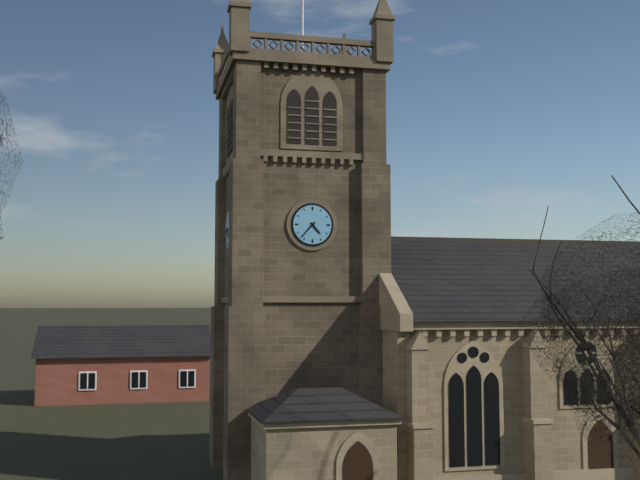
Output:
4:37
